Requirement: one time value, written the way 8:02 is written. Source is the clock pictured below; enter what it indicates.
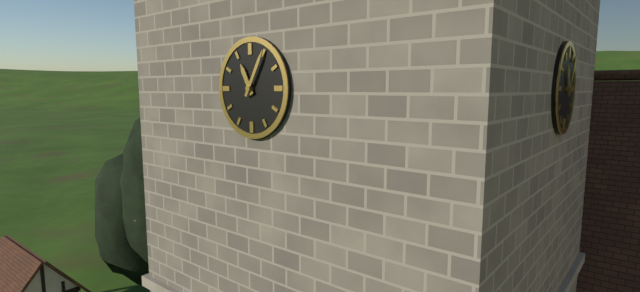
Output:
11:05
